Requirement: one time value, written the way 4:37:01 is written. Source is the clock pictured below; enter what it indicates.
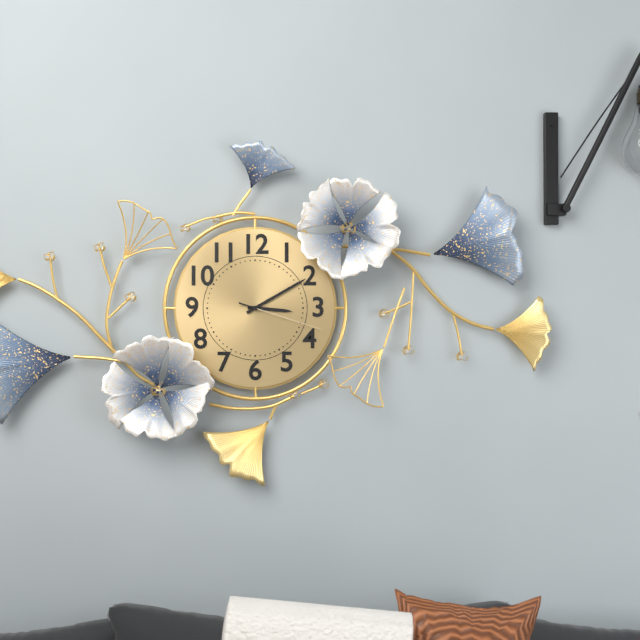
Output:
3:10:18
